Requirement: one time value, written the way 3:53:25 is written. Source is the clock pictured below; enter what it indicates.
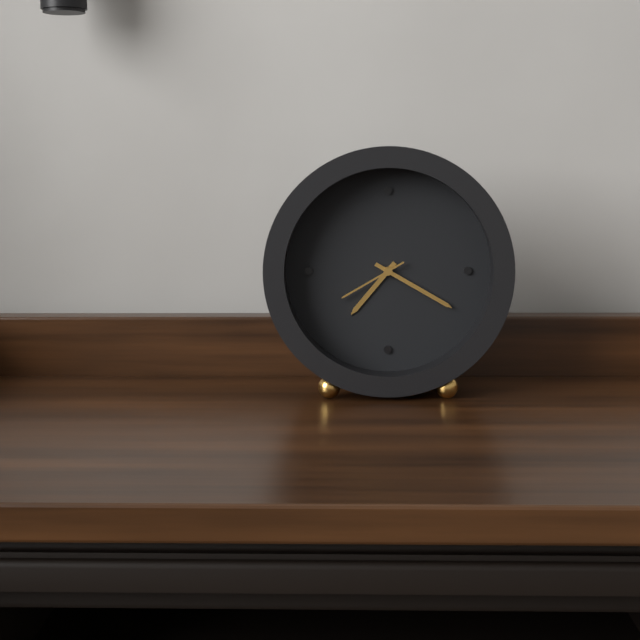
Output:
7:20:40
